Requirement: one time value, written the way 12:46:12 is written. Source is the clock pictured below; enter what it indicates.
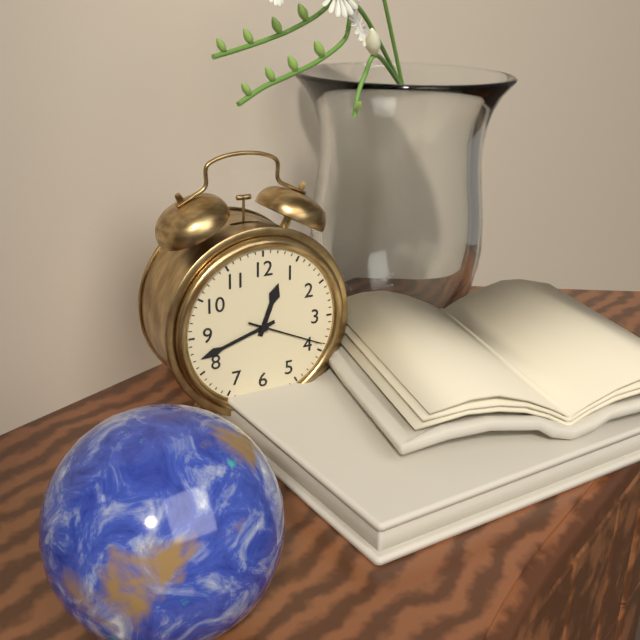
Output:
12:42:19
